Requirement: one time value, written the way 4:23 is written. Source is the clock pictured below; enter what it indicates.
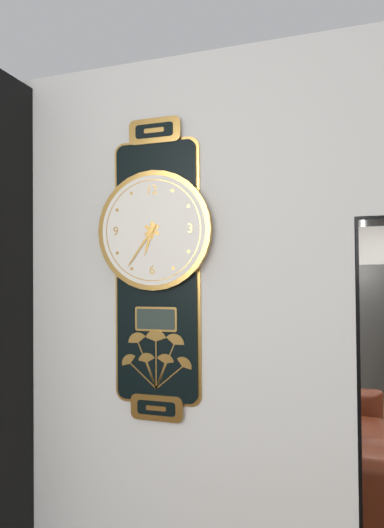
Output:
6:36
